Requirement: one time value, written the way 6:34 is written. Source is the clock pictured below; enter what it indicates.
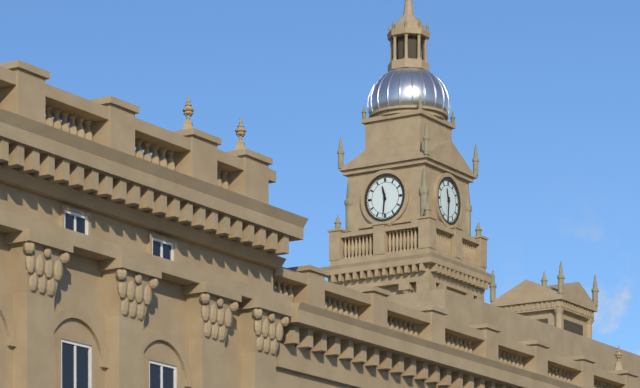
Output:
11:31
